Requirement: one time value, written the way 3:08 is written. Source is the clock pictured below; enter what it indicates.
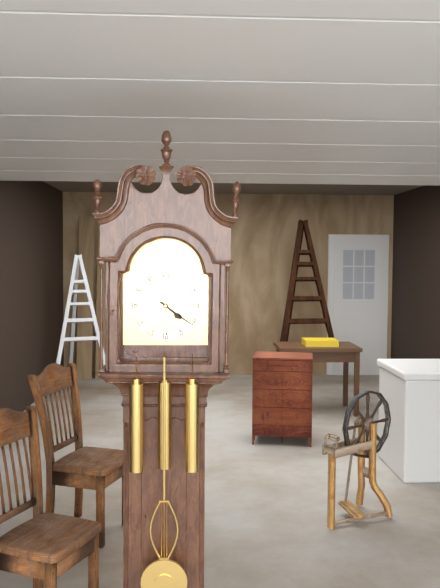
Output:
4:21
